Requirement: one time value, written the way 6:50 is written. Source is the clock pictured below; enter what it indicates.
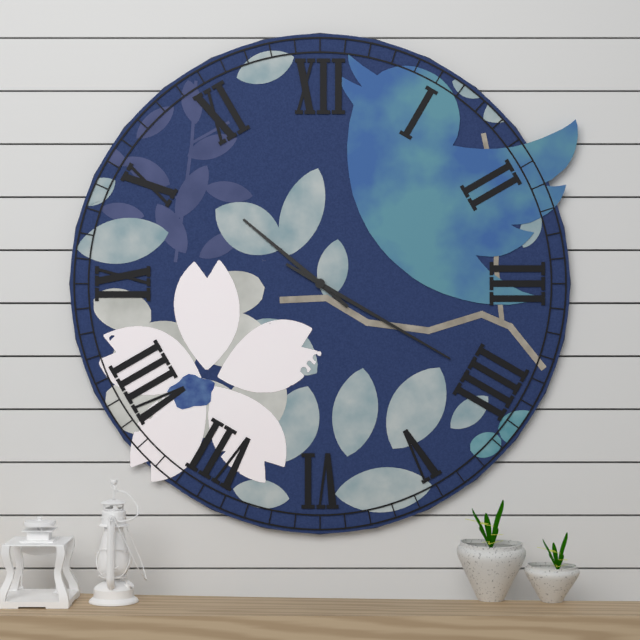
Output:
10:20
